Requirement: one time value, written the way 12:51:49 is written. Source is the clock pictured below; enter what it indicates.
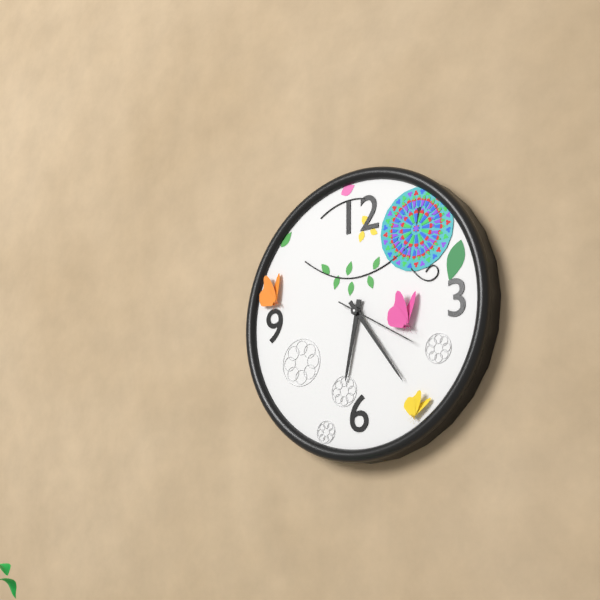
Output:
6:24:20
